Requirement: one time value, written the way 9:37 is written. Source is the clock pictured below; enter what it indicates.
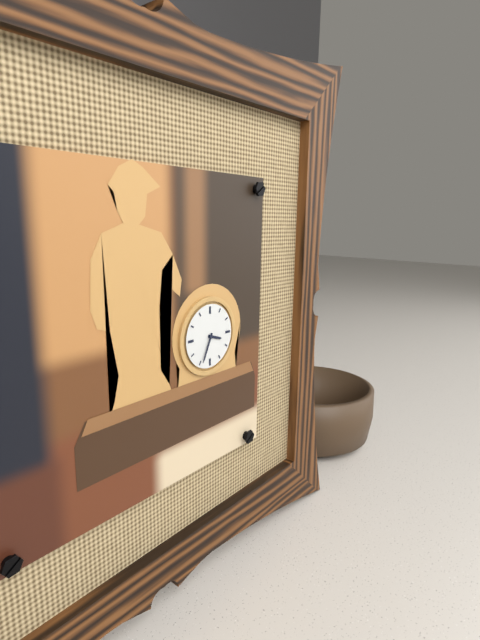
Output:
3:34
